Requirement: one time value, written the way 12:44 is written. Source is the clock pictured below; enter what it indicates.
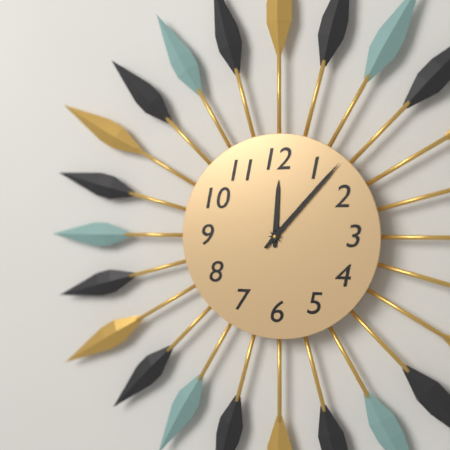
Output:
12:07
